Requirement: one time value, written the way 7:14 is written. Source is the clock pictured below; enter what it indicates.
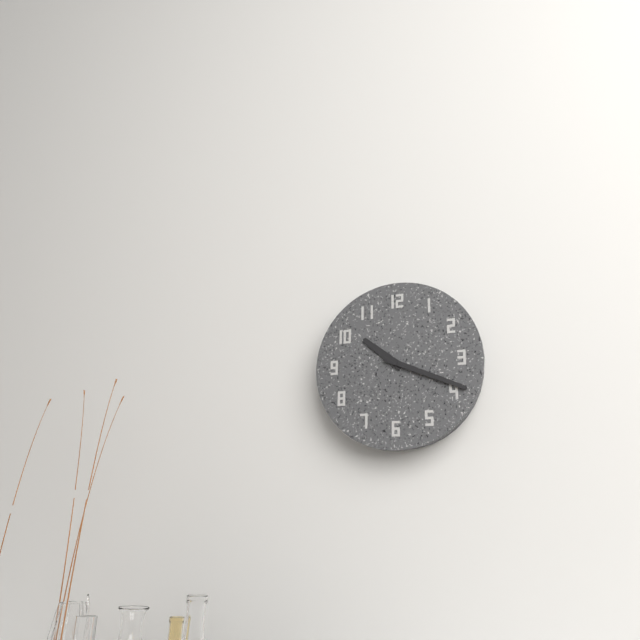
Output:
10:19
